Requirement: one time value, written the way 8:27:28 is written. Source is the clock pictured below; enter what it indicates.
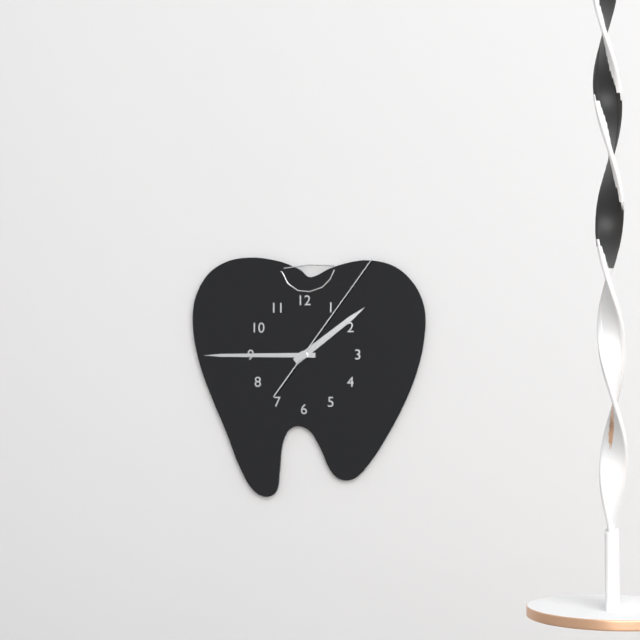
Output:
1:45:06
